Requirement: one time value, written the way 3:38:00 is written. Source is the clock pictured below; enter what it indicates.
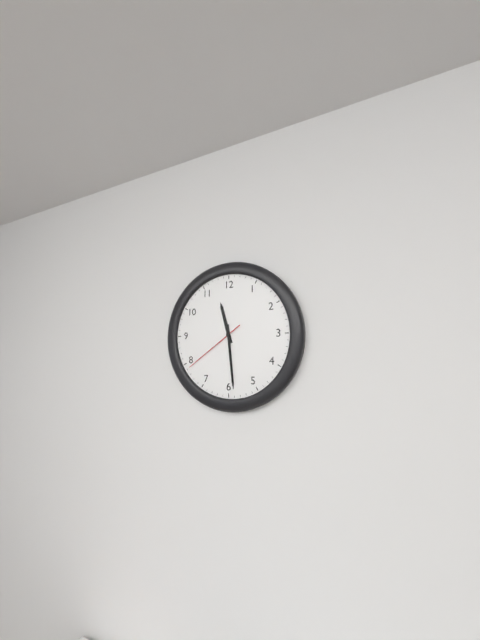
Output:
11:29:39
